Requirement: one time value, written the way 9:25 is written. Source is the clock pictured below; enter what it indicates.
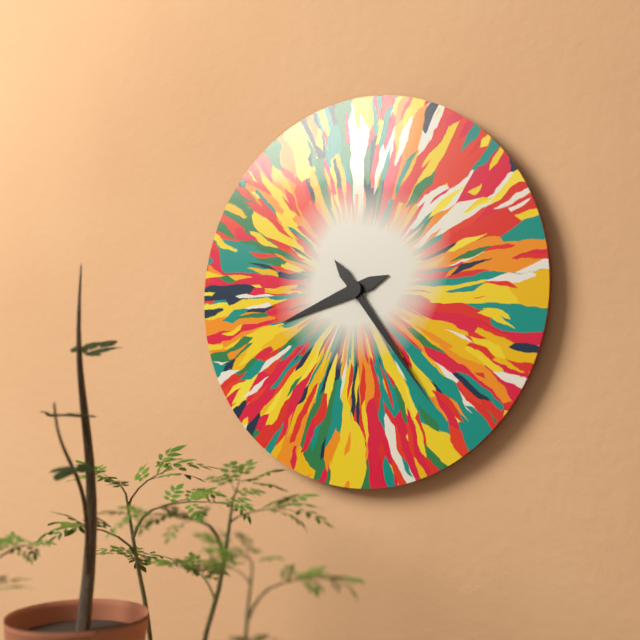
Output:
8:24
